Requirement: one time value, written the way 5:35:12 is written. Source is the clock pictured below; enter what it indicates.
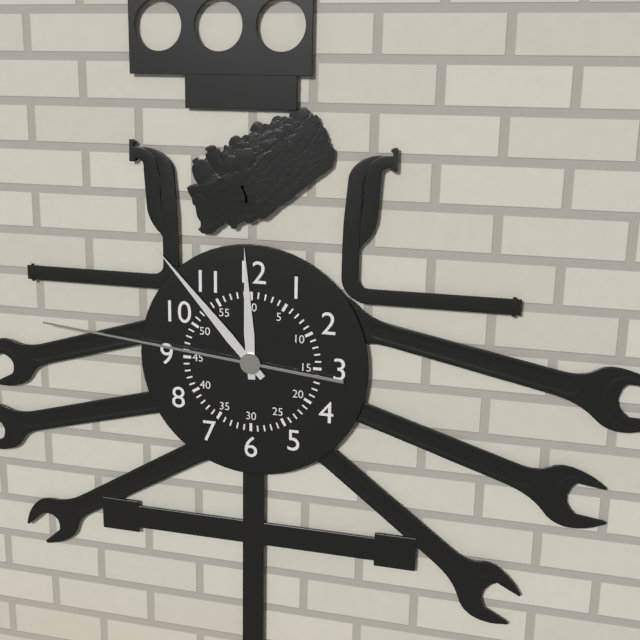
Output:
11:53:46
